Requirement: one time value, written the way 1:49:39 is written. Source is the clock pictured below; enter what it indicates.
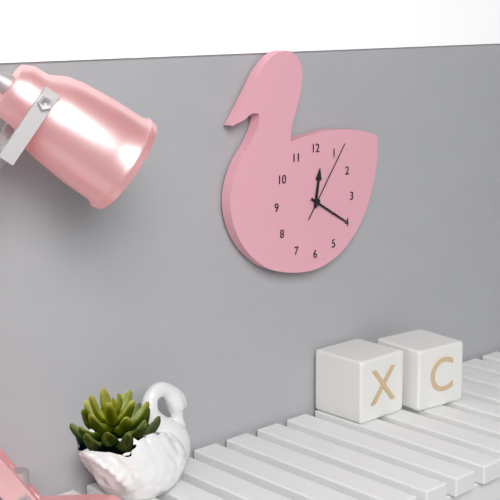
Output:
12:20:06
